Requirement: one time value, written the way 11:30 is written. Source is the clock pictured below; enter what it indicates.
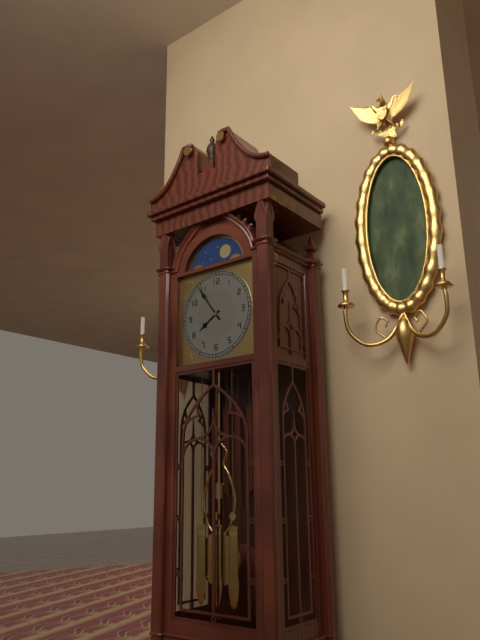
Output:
7:54
